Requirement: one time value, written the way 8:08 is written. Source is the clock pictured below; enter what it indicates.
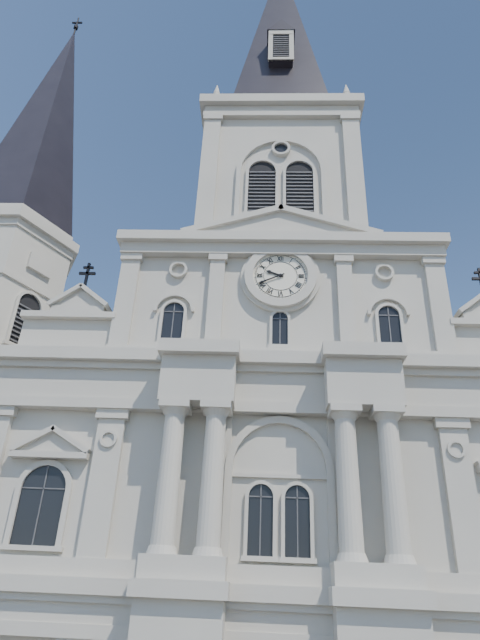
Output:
9:41
